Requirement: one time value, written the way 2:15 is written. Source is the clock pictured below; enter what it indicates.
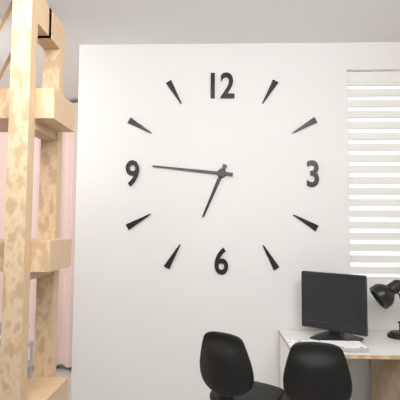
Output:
6:46
